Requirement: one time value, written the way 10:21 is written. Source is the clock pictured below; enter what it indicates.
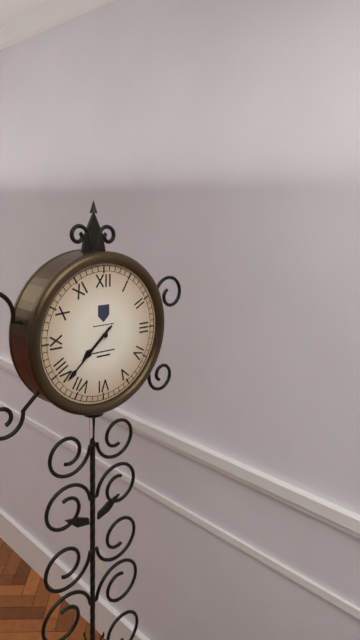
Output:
7:38
